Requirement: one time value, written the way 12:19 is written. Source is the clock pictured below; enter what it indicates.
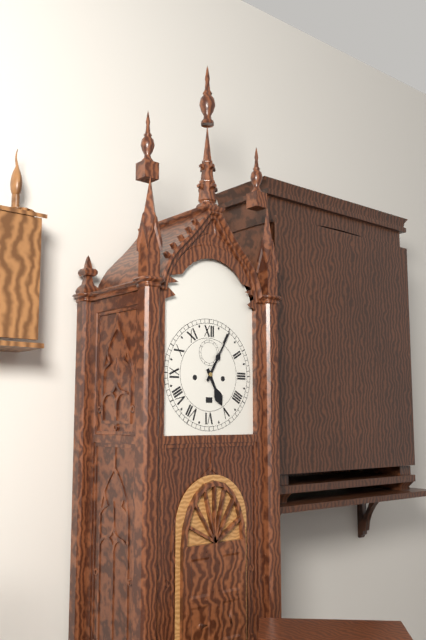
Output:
5:05
